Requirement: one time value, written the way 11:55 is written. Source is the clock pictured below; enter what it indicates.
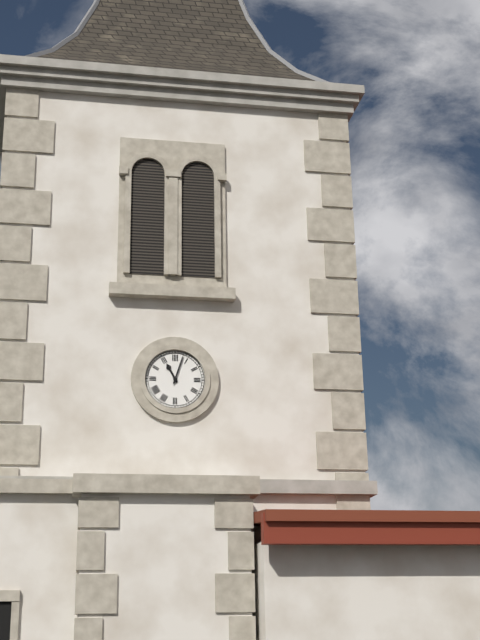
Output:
11:03
